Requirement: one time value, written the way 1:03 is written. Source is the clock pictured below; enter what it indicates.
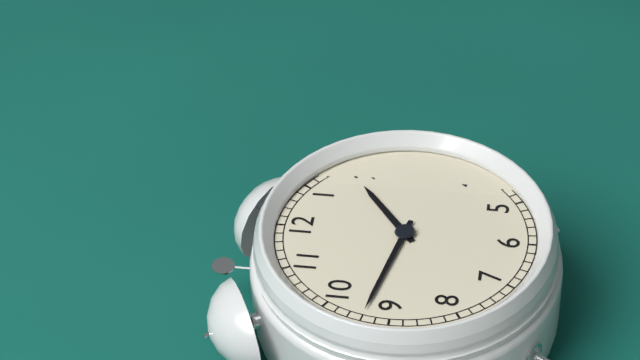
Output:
1:47
